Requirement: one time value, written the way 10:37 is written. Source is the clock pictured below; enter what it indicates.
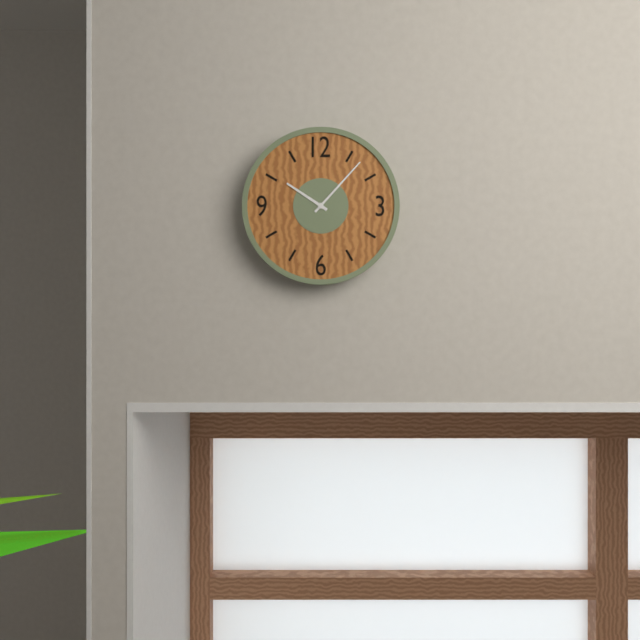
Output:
10:07
